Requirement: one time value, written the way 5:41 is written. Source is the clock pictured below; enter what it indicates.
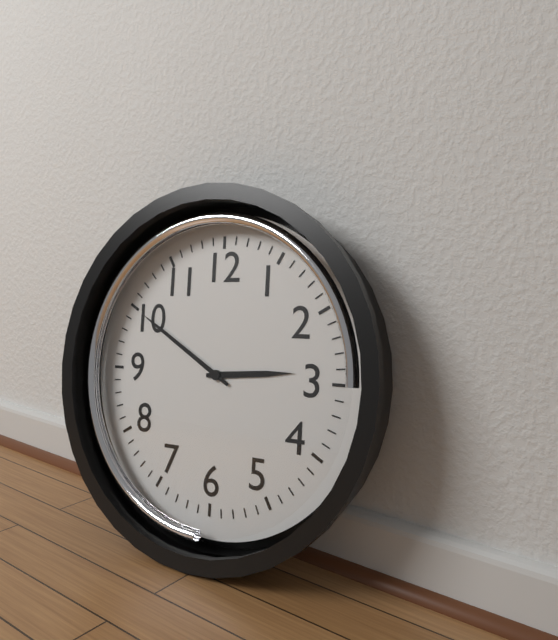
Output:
2:50
